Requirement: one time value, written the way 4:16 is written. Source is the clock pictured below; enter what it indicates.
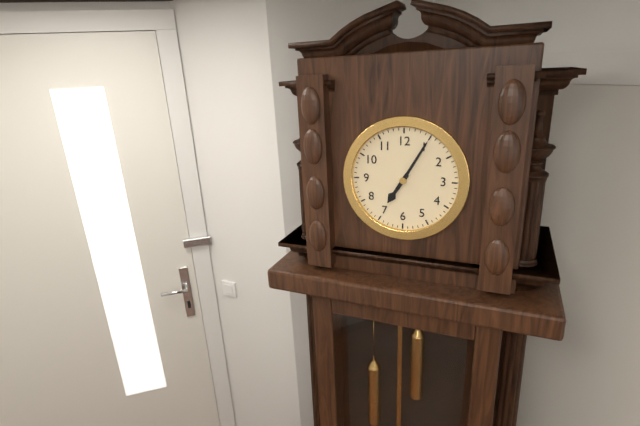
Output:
7:05
